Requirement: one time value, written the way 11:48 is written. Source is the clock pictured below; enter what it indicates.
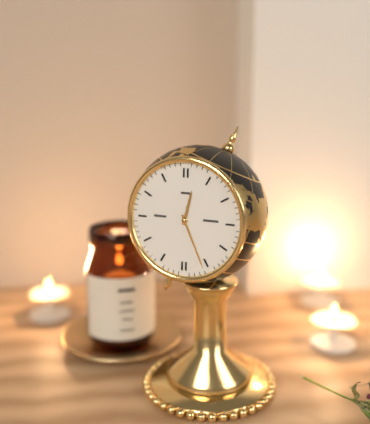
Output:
12:26
